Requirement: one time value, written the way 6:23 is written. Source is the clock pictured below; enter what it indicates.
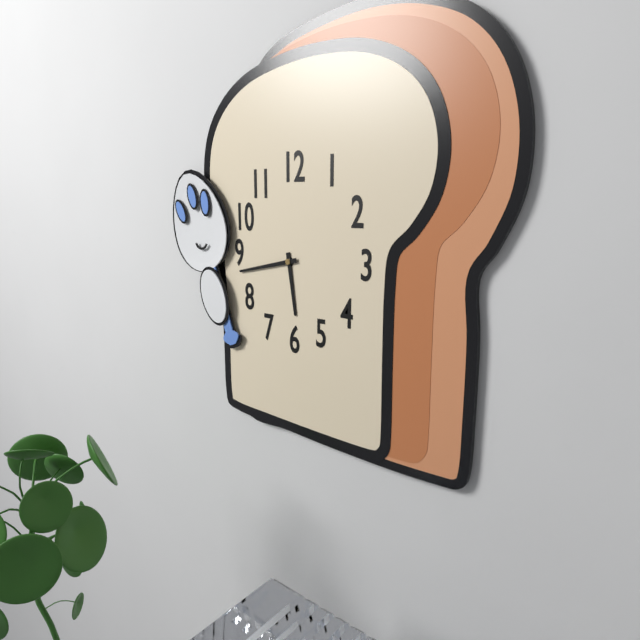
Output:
5:43
